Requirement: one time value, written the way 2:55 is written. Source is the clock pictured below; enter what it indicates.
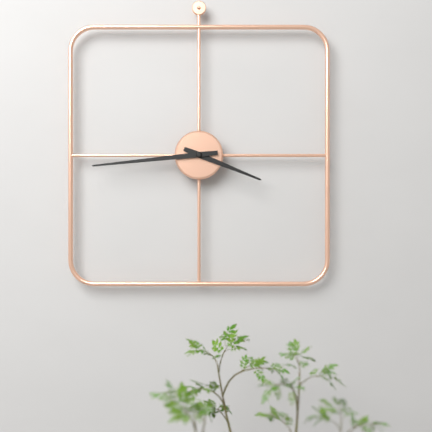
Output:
3:44
